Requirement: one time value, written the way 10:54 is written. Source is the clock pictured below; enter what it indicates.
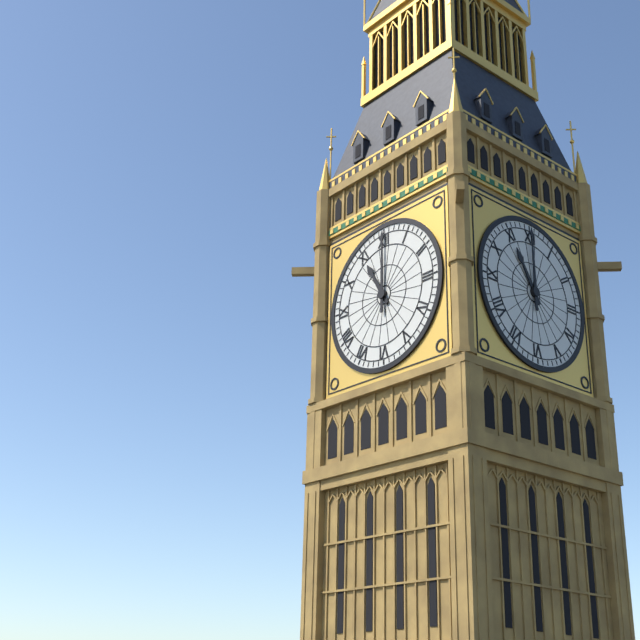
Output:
11:00
